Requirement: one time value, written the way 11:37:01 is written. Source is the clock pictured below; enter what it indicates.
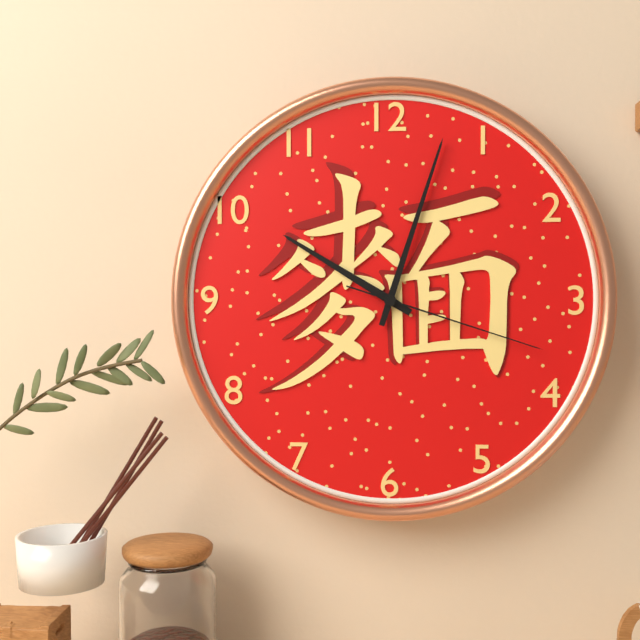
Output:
10:03:18
